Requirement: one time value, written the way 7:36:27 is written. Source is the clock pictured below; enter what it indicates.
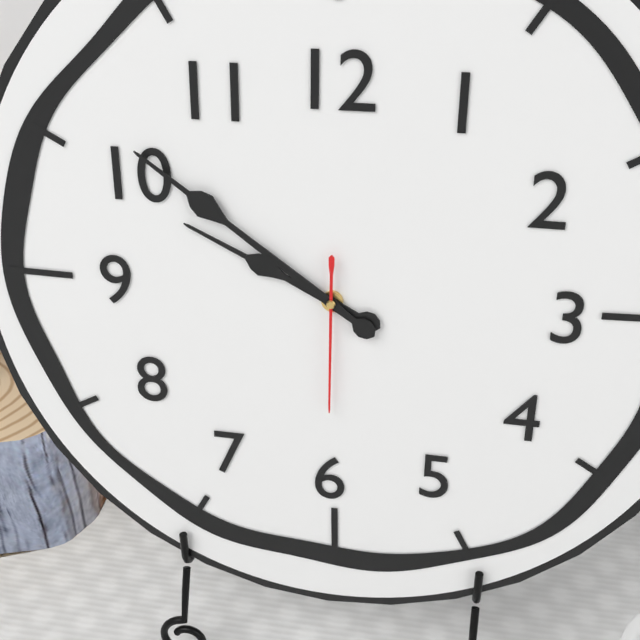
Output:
9:51:30
